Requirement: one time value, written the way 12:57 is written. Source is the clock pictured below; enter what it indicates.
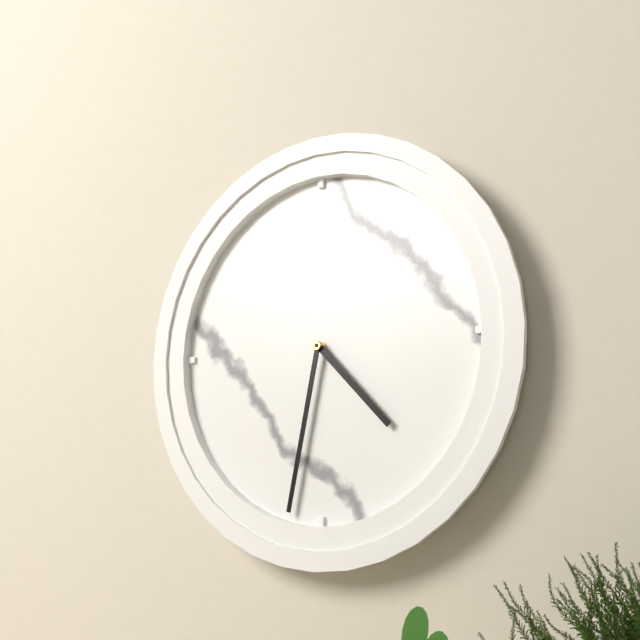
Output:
4:32
